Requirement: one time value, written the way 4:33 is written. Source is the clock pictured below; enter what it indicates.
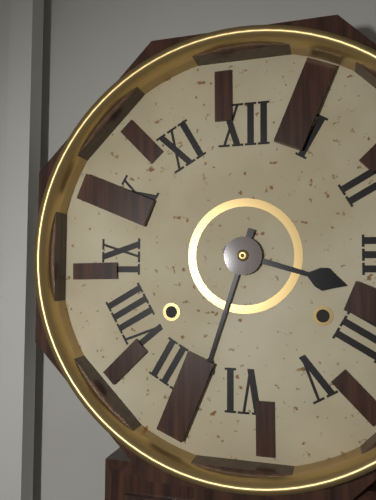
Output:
3:33
